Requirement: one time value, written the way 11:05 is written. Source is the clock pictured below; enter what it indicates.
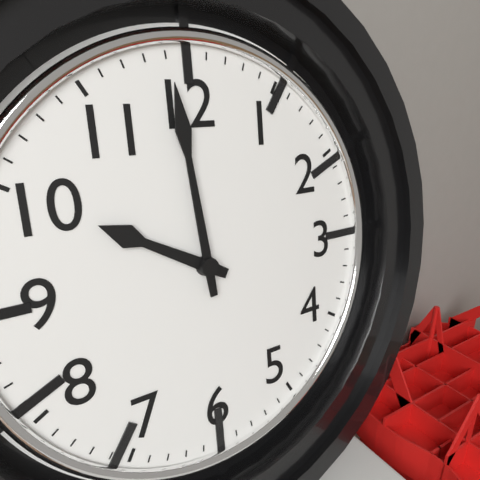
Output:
9:59
